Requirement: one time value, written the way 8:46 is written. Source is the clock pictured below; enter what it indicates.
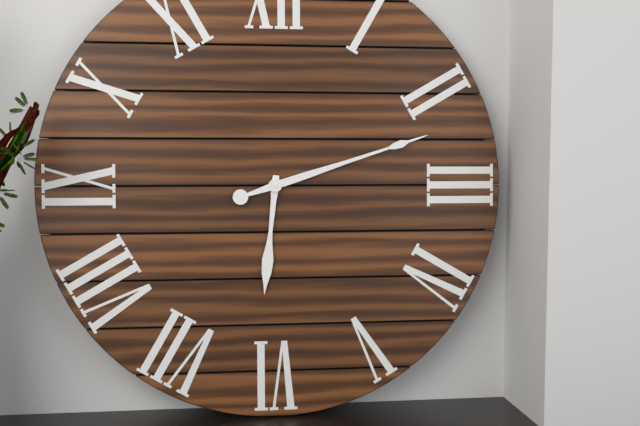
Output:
6:12
